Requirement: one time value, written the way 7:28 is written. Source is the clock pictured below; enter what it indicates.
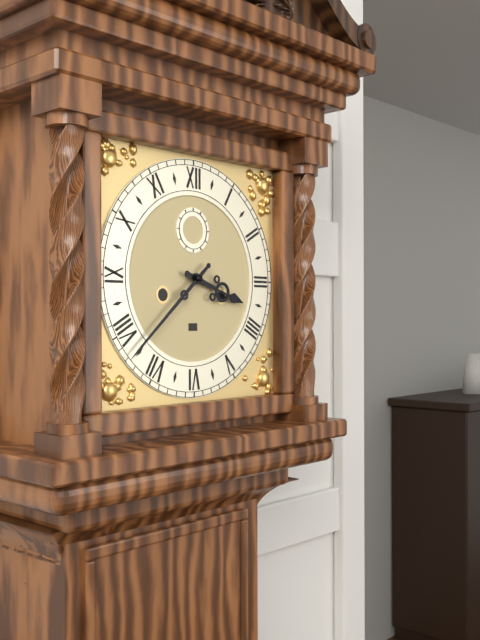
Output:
3:38
